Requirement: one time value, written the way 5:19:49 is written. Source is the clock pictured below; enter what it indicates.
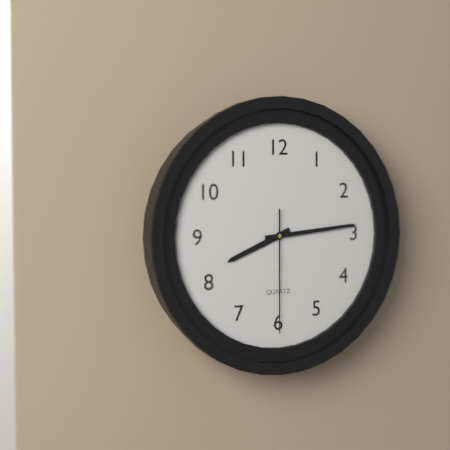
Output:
8:14:30
